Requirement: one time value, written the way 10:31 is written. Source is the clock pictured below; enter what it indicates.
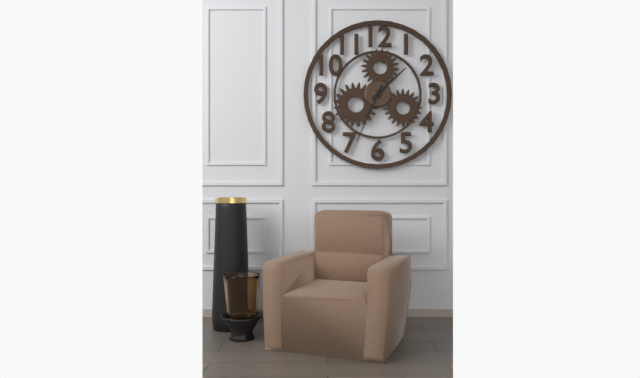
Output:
1:34
